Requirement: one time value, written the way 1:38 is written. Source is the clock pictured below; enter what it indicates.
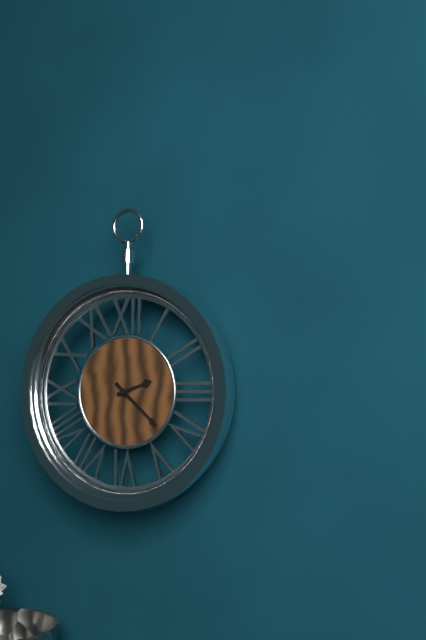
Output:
2:22
